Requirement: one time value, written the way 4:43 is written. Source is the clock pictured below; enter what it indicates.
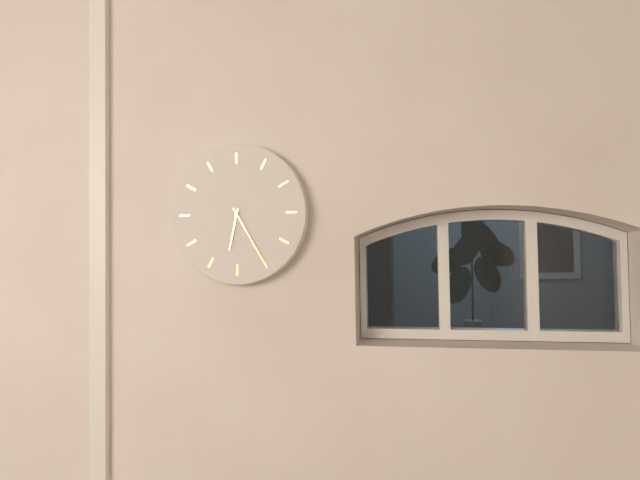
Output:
6:25
